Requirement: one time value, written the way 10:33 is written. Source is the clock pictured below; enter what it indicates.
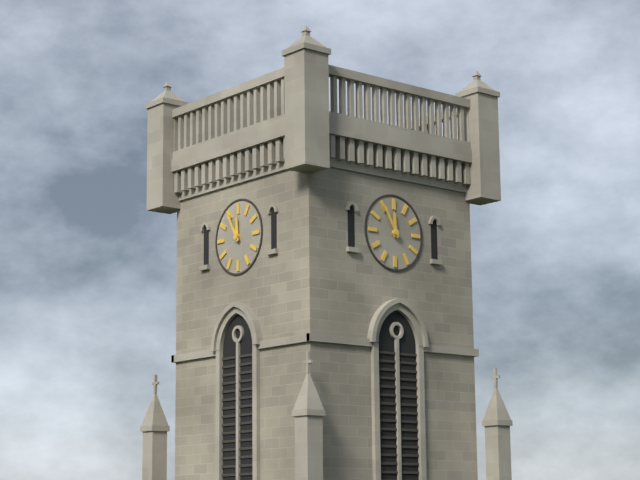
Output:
11:55
